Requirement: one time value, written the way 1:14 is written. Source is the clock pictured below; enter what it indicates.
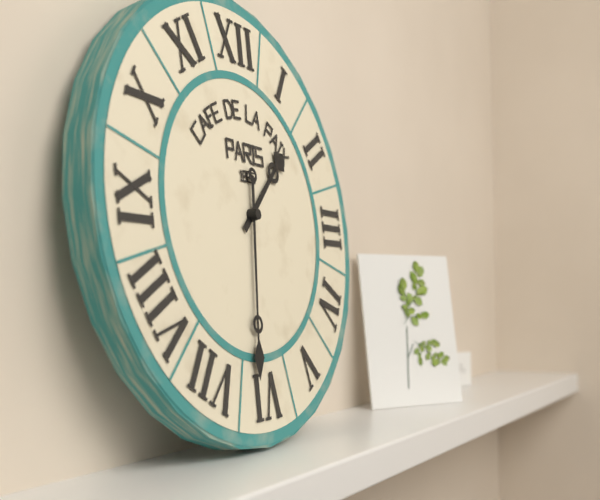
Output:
1:31
